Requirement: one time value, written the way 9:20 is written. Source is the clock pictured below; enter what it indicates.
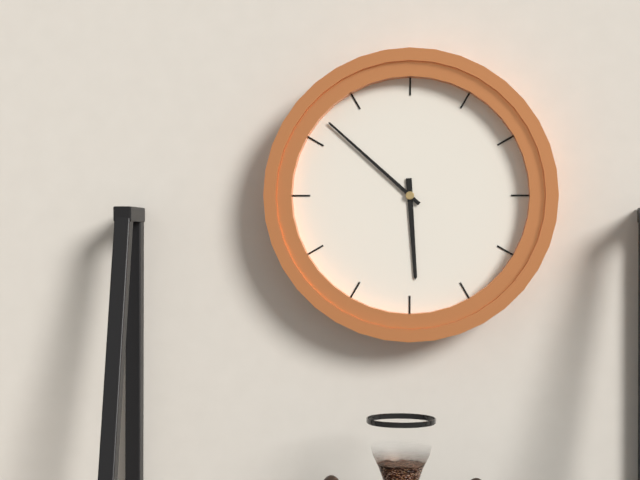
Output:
5:52
